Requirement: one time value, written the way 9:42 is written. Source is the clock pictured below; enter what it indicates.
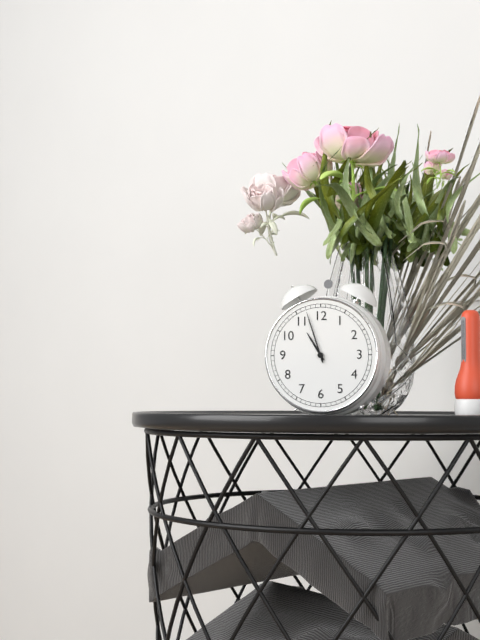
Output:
10:57
